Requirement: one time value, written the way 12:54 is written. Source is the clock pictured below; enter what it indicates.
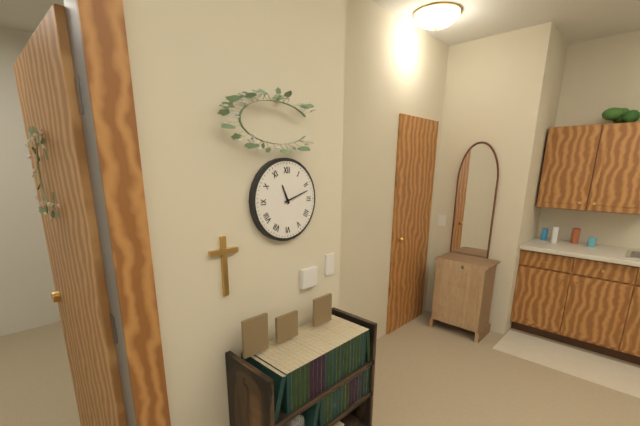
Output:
11:12
